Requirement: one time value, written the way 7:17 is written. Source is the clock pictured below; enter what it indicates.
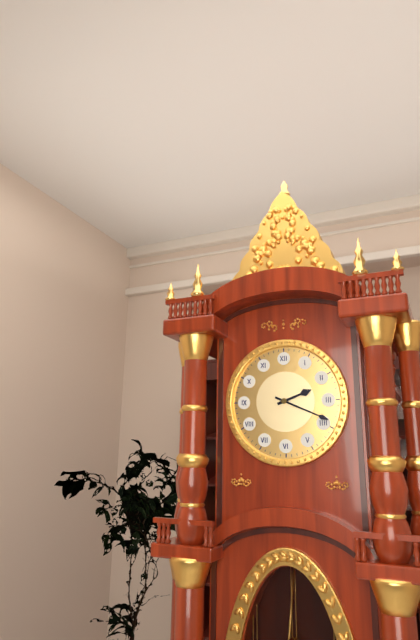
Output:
2:19
